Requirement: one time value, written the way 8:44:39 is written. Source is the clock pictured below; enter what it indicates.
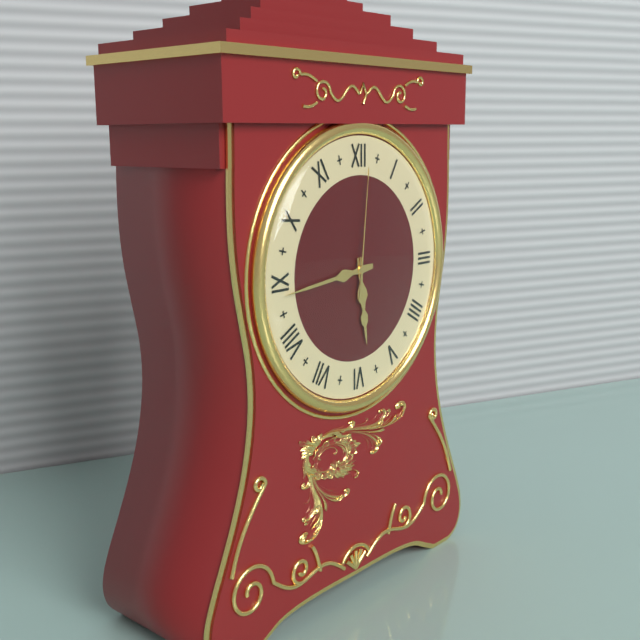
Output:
5:44:01
